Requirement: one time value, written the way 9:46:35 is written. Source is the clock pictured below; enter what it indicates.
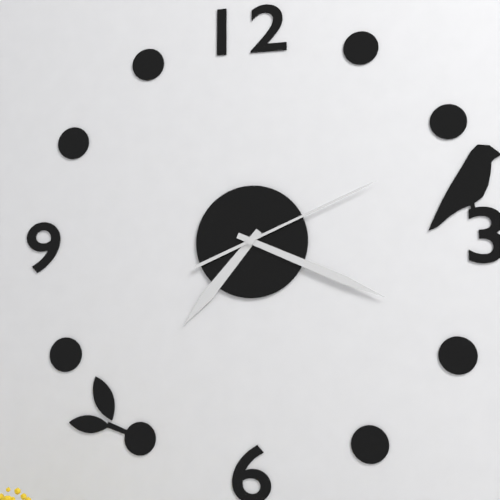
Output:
7:19:11
